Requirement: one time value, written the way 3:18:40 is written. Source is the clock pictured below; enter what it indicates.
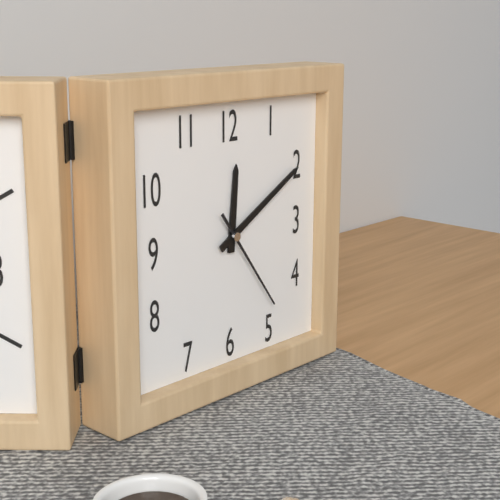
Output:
12:10:24
